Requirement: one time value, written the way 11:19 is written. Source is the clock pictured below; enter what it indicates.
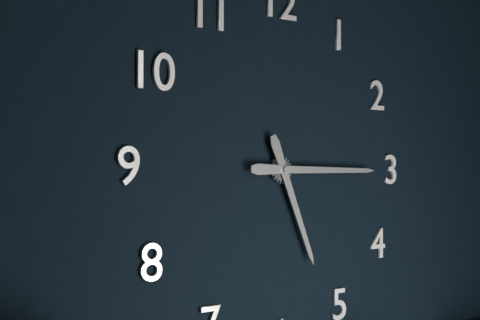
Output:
5:15
